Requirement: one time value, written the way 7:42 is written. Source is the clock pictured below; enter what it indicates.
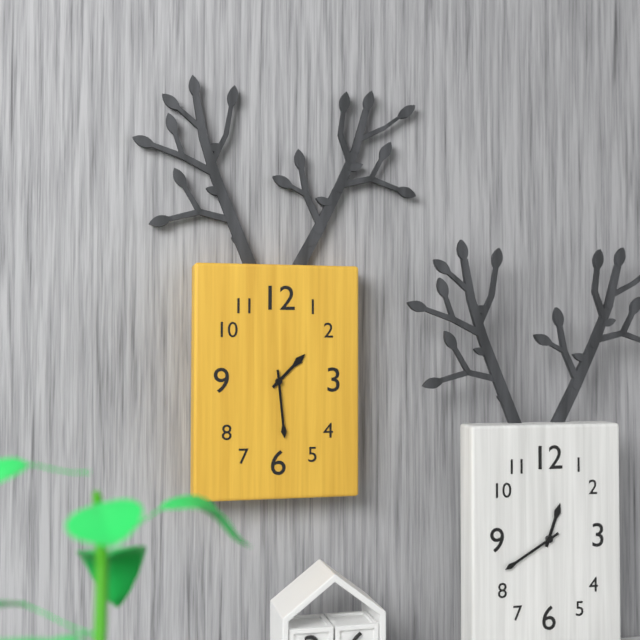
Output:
1:29
